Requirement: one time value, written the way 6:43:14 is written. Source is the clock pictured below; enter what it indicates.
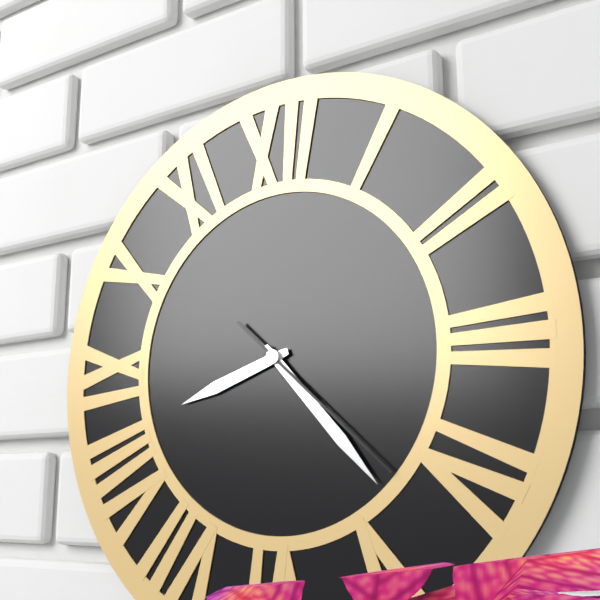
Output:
8:23:22
